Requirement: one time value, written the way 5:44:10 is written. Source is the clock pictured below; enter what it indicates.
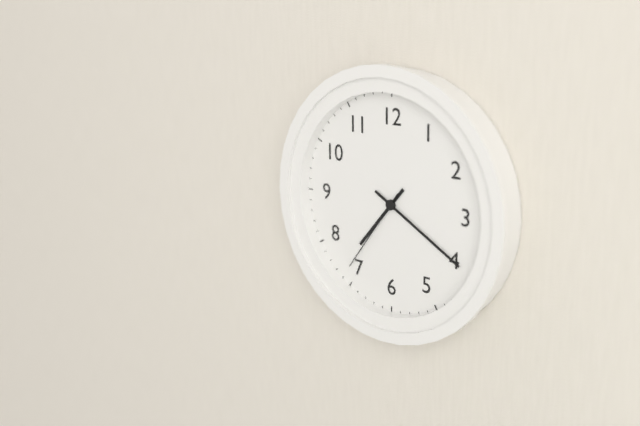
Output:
7:20:36
